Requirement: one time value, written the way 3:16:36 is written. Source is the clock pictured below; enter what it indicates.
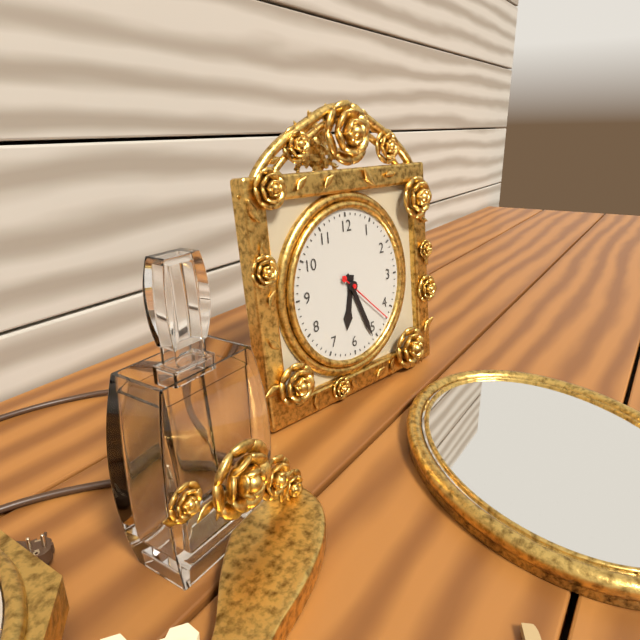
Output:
6:26:22
